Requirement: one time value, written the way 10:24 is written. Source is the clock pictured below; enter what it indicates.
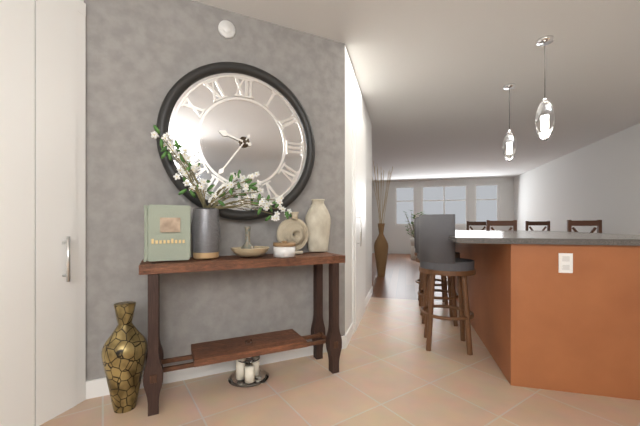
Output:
9:36
